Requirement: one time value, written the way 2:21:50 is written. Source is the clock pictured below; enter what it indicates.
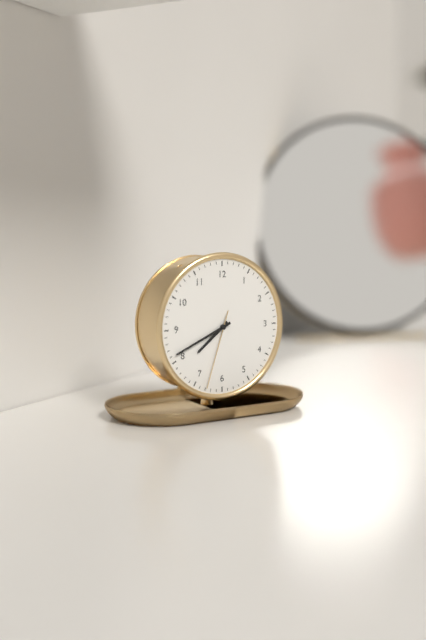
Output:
7:41:33
